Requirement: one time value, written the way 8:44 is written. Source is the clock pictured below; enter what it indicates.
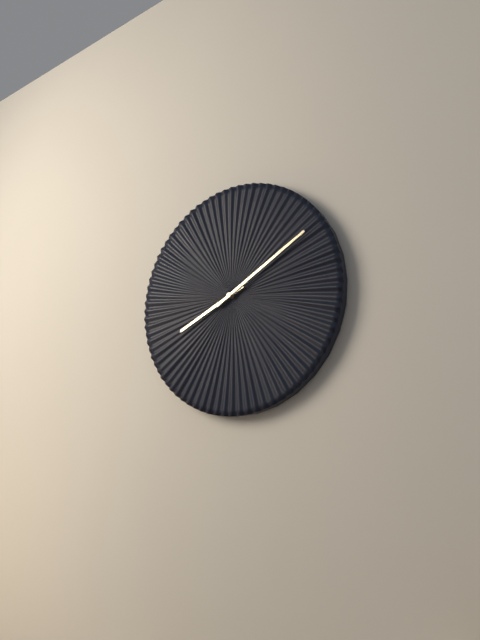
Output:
8:10
